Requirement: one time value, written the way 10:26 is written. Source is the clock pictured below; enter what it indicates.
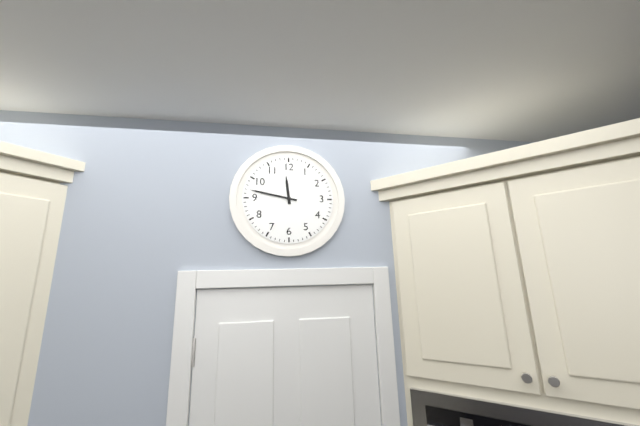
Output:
11:47
